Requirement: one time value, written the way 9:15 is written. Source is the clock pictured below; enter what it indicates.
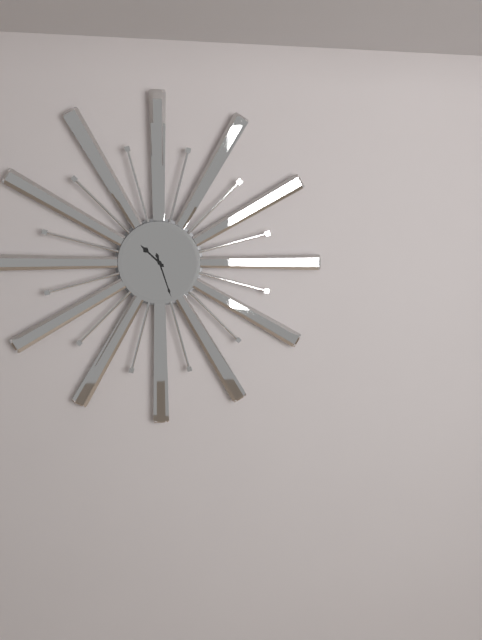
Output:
10:27
